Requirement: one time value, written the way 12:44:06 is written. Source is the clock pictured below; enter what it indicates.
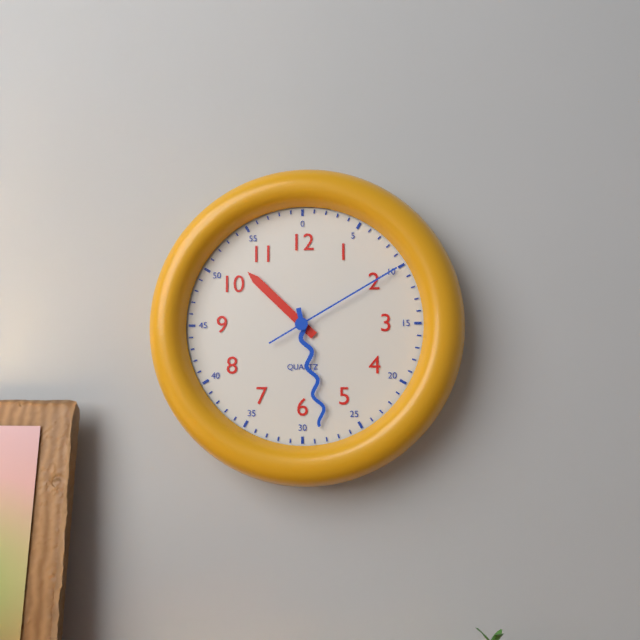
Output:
10:28:10
